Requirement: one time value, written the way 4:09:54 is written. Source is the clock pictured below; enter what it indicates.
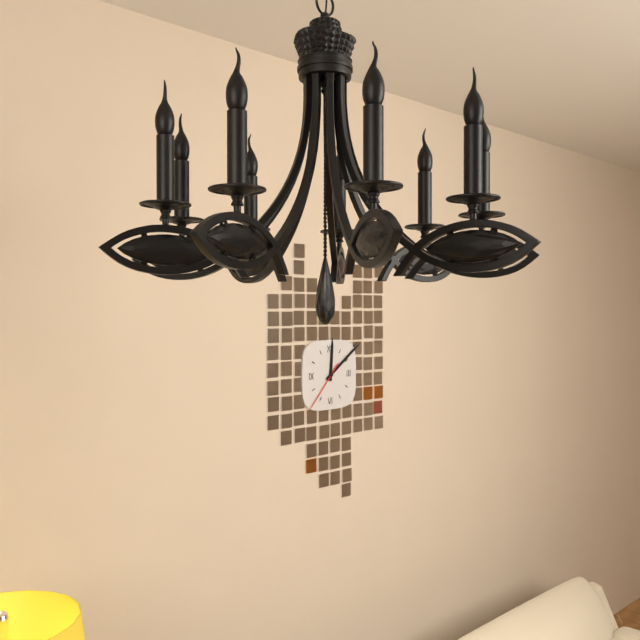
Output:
12:09:37
